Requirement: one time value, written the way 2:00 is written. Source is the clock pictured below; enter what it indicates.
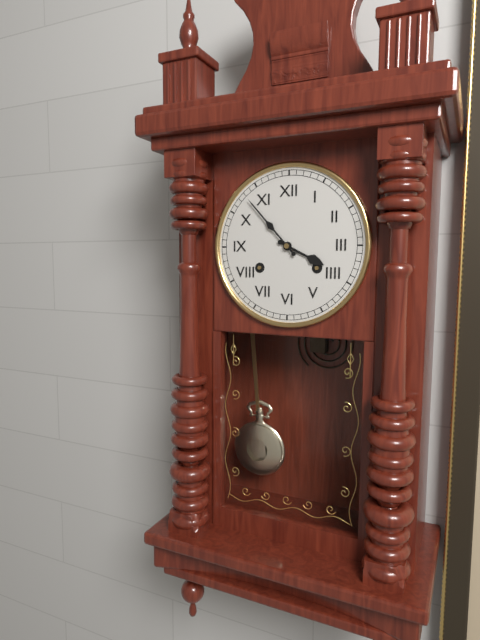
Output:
3:53
